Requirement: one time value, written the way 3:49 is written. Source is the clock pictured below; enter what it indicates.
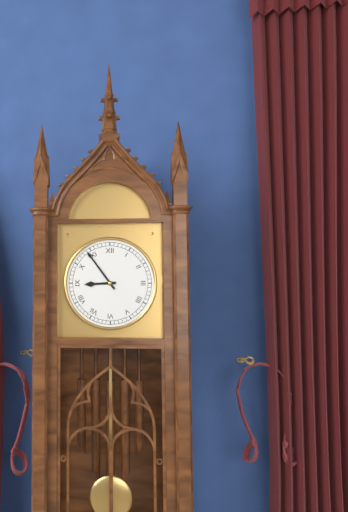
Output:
8:54
